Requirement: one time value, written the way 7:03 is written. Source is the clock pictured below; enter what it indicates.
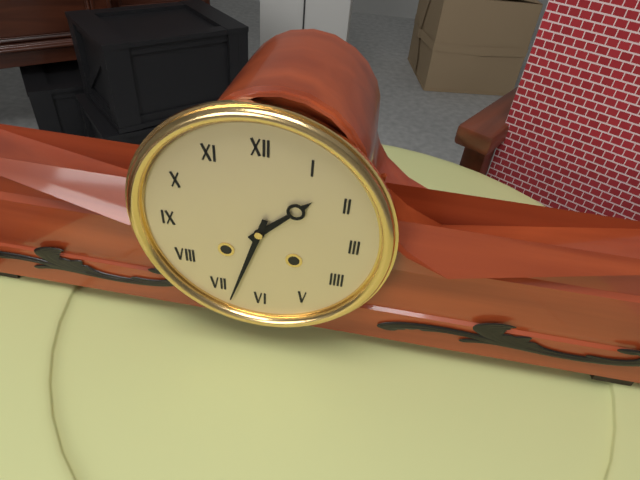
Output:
1:33
